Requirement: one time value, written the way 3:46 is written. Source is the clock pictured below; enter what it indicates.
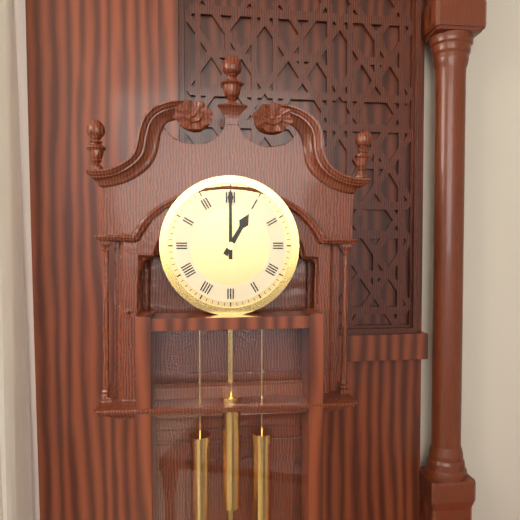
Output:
1:00
